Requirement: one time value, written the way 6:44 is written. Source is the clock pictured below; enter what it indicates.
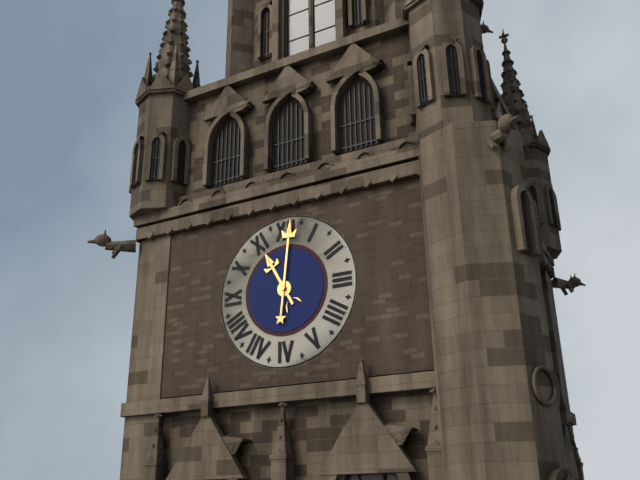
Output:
11:01
